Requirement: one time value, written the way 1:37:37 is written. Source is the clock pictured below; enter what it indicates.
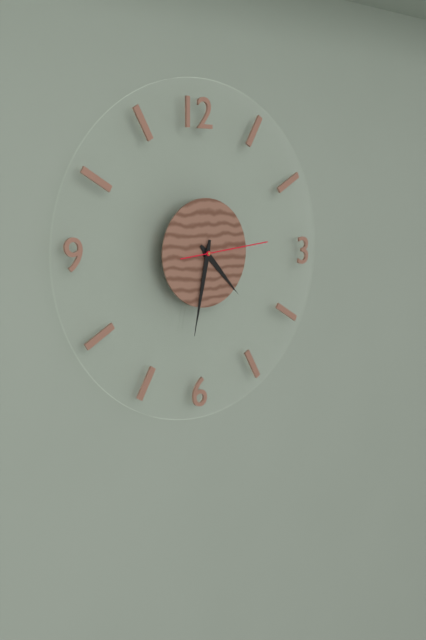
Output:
4:32:14
